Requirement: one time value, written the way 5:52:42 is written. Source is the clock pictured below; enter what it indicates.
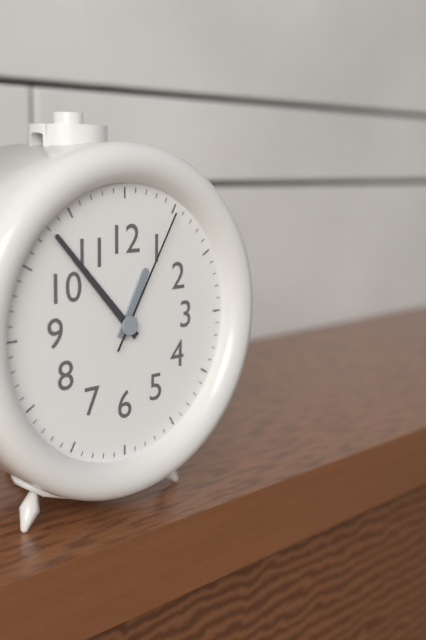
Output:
12:53:05
